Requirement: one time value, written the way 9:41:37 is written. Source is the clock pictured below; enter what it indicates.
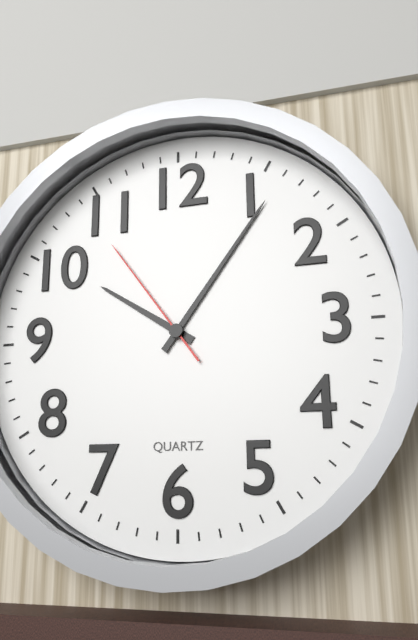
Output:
10:06:54
